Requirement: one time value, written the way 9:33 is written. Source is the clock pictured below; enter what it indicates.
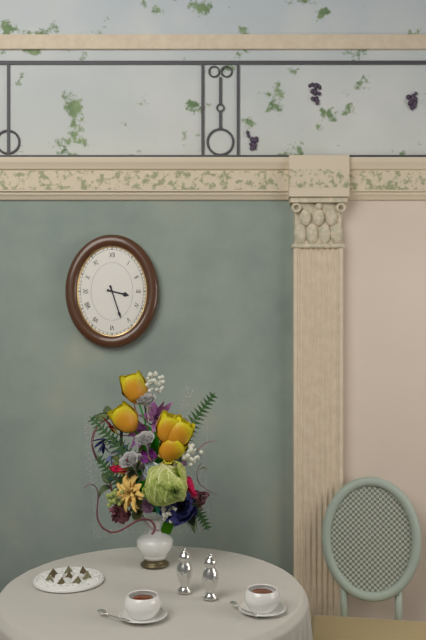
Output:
3:27
